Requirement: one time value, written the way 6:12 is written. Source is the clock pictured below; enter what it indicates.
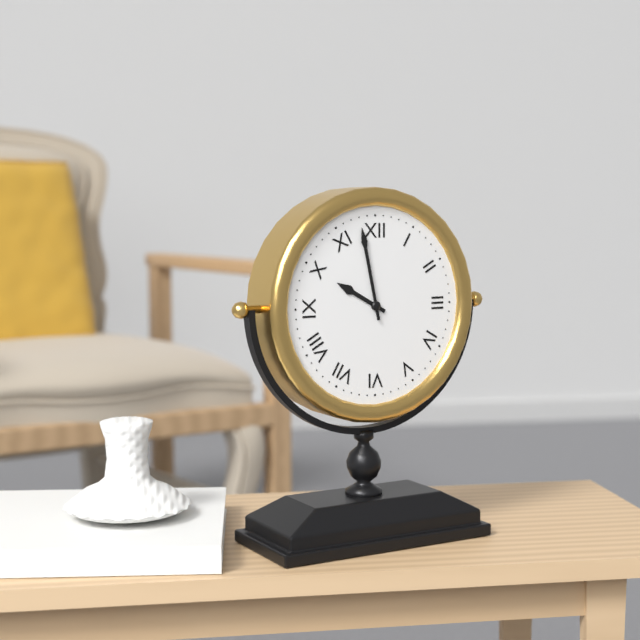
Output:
9:58
